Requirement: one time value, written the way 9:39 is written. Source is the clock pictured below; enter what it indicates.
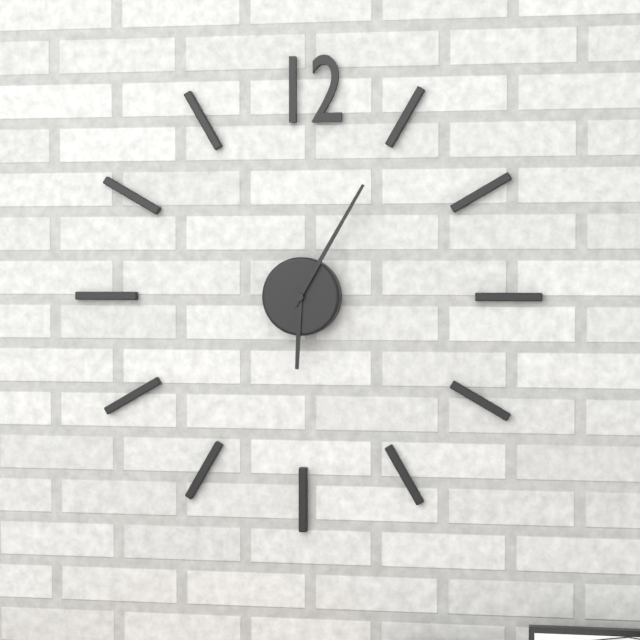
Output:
6:05
